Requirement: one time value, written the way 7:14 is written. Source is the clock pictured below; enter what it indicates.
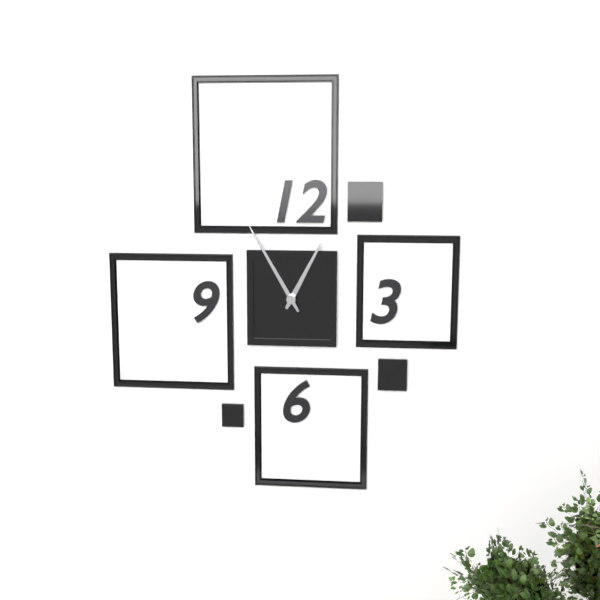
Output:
12:55
